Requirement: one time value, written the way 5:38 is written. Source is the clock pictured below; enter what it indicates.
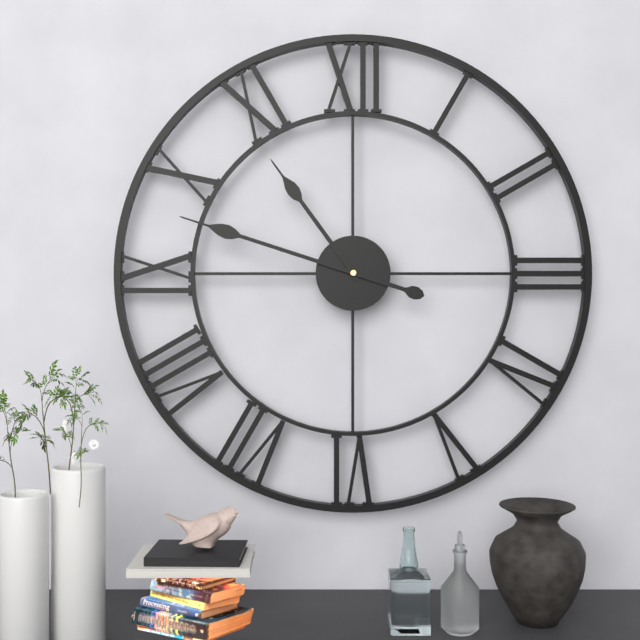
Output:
10:48
